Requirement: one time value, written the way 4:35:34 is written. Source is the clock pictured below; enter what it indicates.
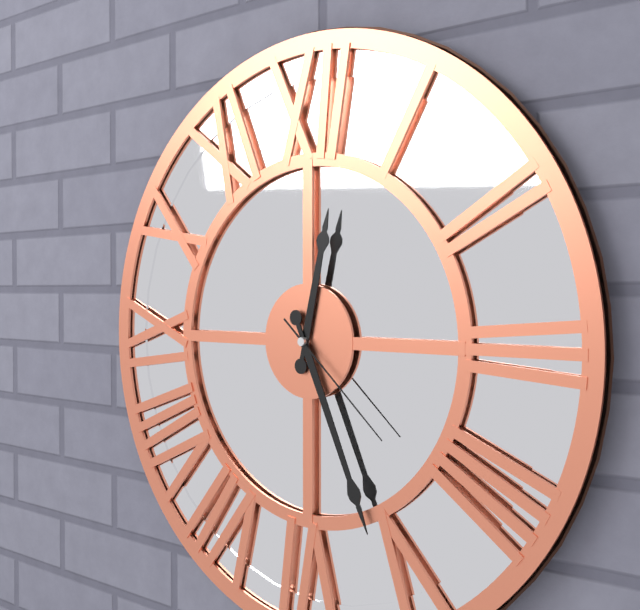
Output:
12:26:22
